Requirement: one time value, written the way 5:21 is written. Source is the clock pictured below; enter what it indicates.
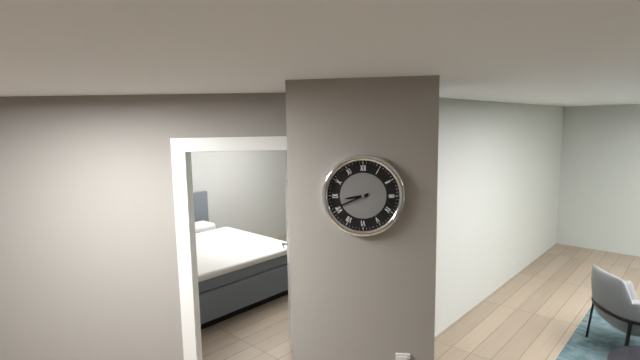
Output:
8:41
